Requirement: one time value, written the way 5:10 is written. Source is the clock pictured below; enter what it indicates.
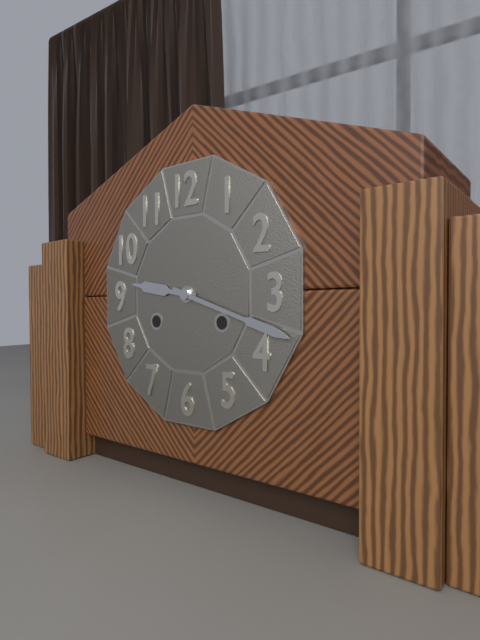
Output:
9:18
